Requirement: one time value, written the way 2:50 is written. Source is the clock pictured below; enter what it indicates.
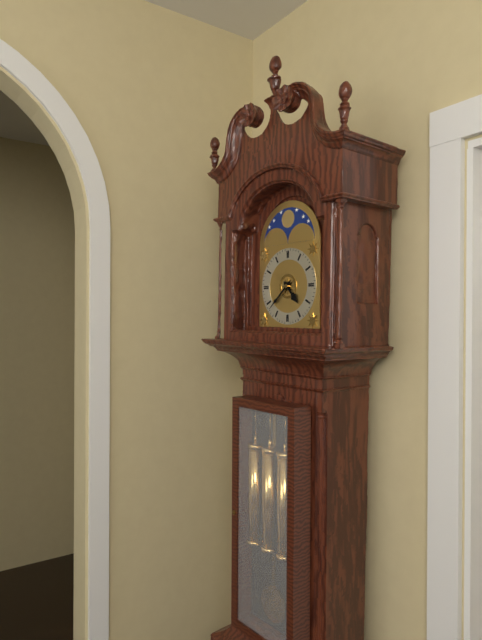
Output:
4:38
